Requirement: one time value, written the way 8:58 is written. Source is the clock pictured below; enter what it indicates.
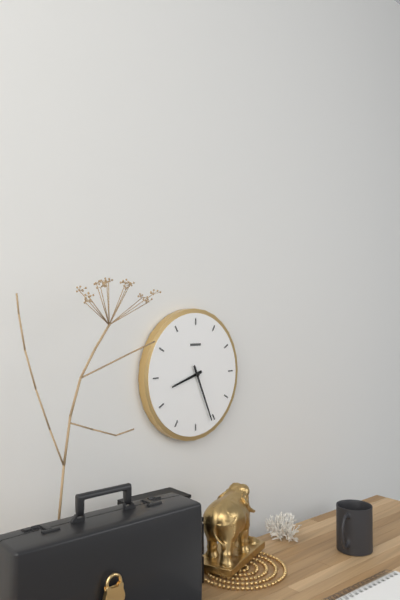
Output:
8:26
